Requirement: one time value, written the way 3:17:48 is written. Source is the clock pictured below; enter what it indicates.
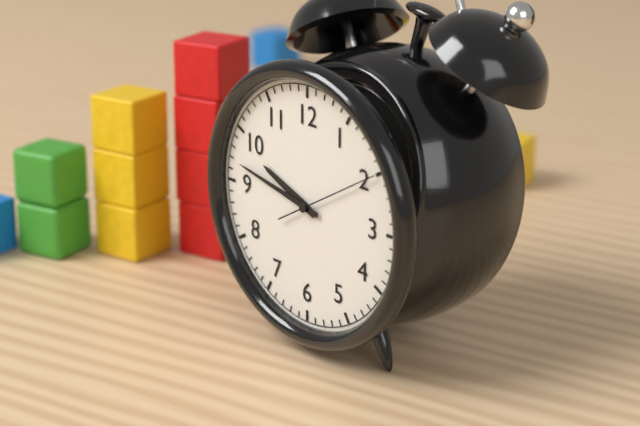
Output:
9:47:10
